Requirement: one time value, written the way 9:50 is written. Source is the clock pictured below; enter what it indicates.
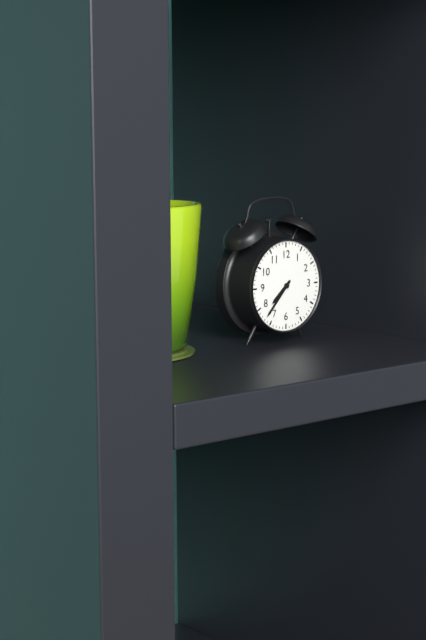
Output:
7:37
